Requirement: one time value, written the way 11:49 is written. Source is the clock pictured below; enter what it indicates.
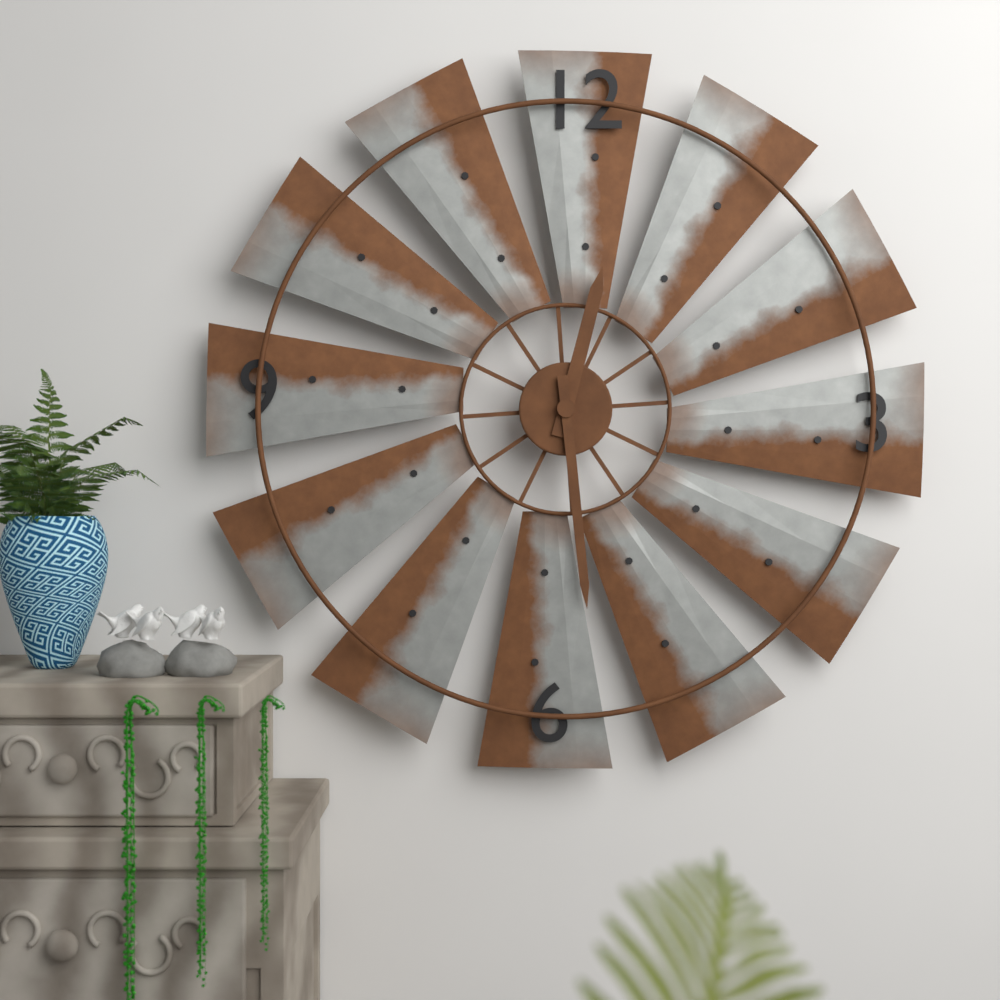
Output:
12:29
